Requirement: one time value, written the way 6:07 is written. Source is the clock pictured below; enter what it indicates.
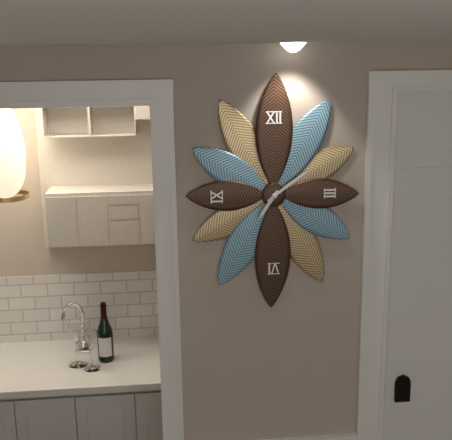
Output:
7:09
